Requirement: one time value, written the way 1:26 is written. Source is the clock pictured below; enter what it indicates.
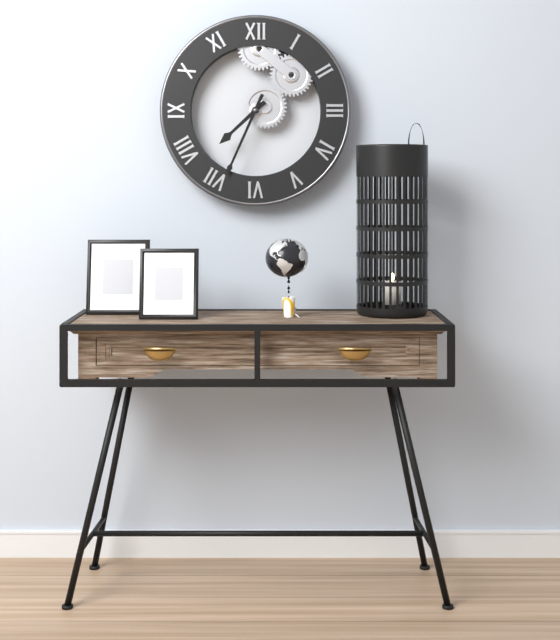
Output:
7:34
